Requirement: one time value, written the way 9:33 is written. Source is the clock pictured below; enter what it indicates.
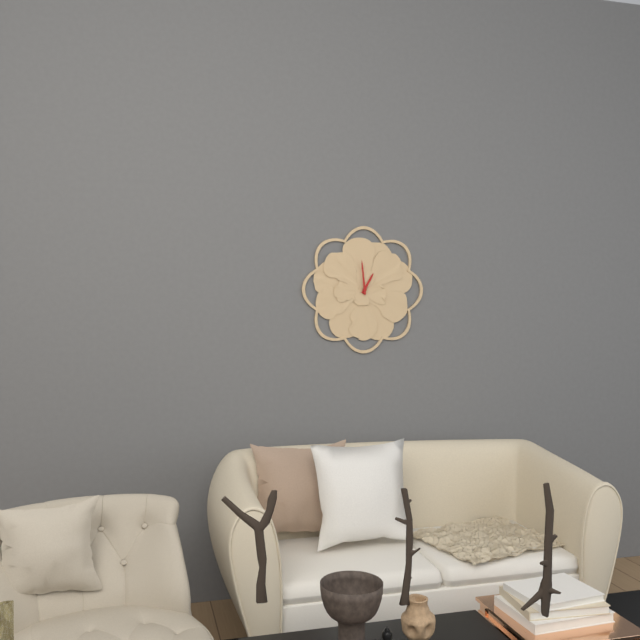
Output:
12:59
